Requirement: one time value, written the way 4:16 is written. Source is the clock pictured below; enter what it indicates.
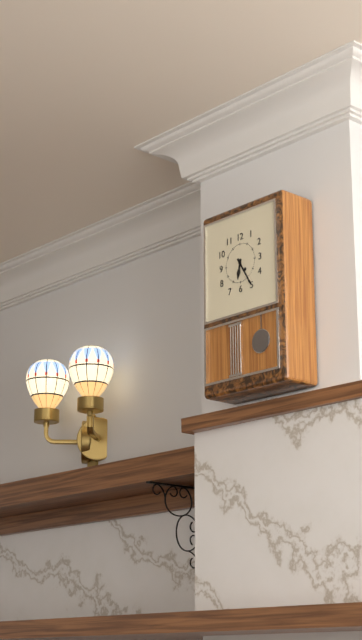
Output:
6:25
